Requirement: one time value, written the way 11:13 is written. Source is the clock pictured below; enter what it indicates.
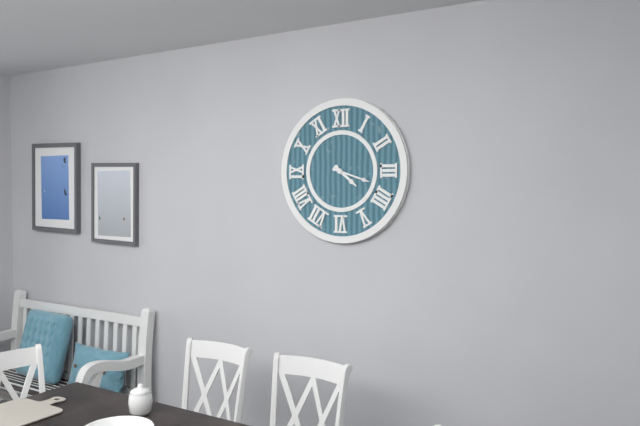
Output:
4:18
